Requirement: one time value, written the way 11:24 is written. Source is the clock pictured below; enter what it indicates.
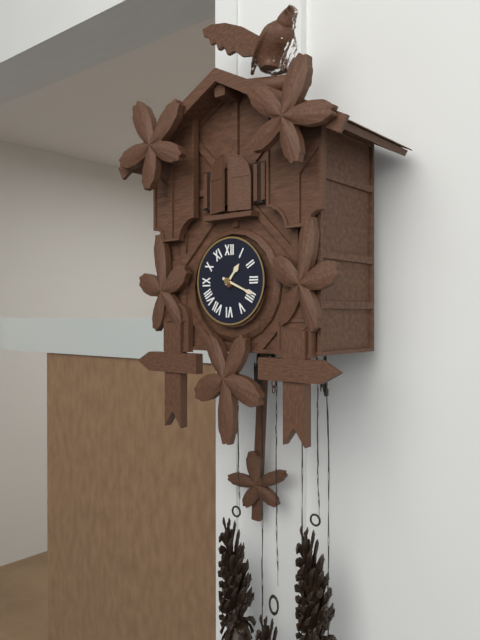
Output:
1:19
